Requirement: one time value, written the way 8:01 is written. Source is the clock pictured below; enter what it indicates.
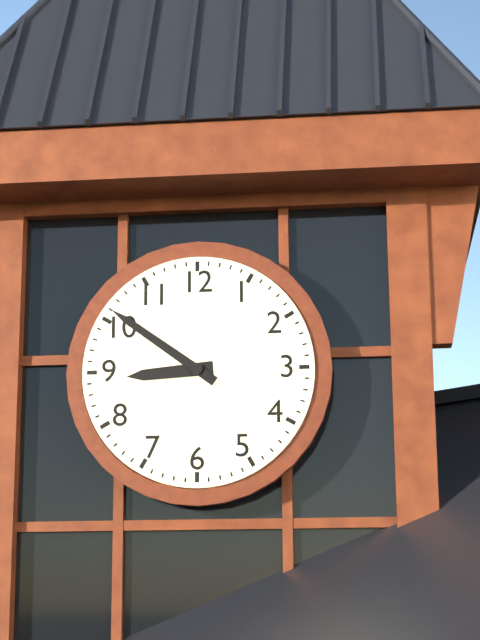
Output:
8:51
